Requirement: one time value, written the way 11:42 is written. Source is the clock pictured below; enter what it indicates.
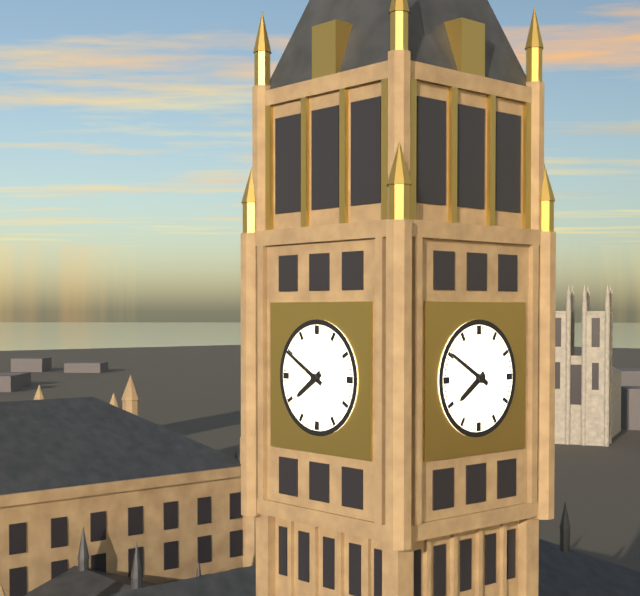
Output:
7:50
